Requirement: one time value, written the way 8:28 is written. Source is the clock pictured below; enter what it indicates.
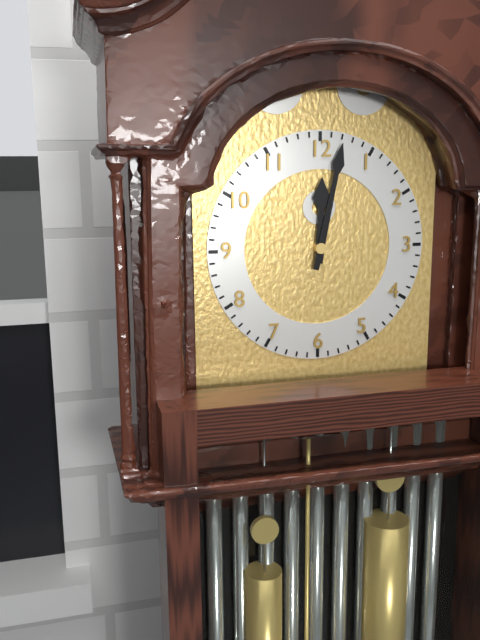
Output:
12:02
